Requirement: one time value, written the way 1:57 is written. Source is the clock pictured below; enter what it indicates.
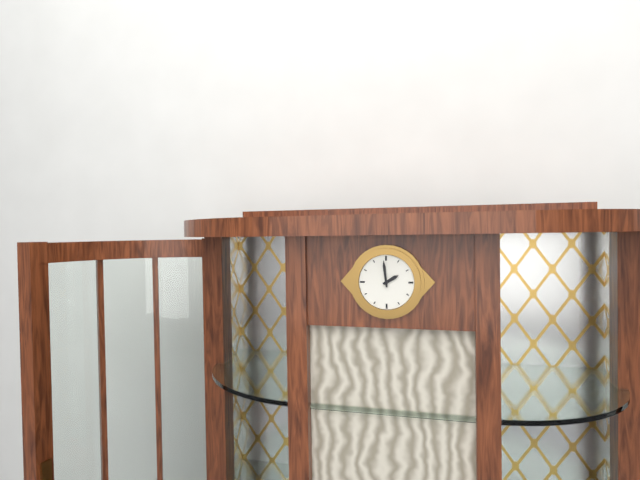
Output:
1:59
